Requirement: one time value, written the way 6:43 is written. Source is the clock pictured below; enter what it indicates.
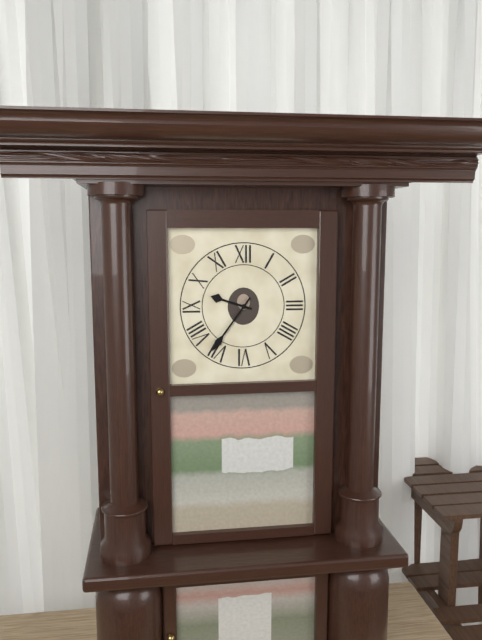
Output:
9:36
